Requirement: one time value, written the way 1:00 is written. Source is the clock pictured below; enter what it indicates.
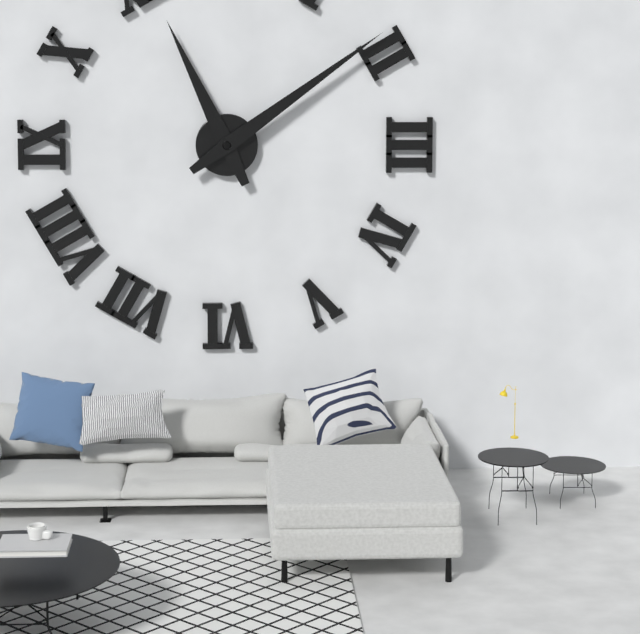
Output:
11:09
